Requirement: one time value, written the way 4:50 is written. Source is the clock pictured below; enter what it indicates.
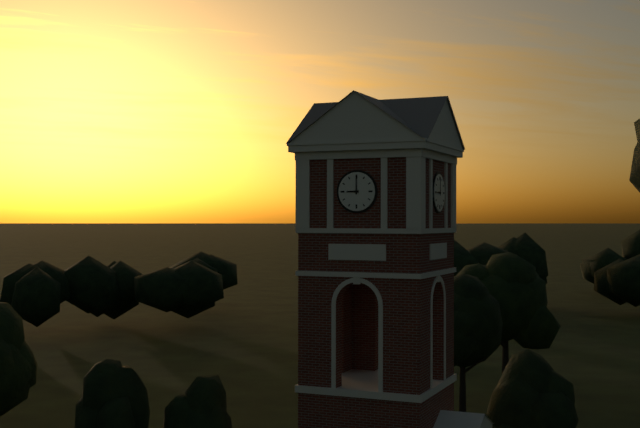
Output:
9:00
